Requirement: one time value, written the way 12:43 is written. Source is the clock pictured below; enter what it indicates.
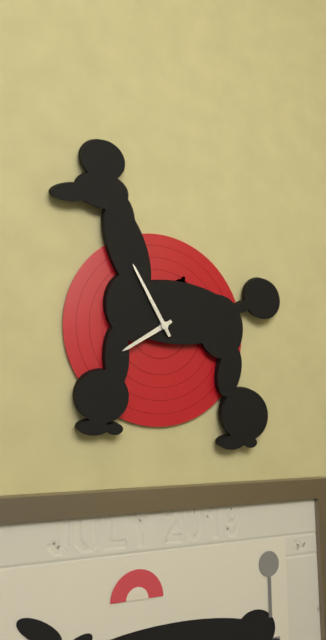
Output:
7:55
